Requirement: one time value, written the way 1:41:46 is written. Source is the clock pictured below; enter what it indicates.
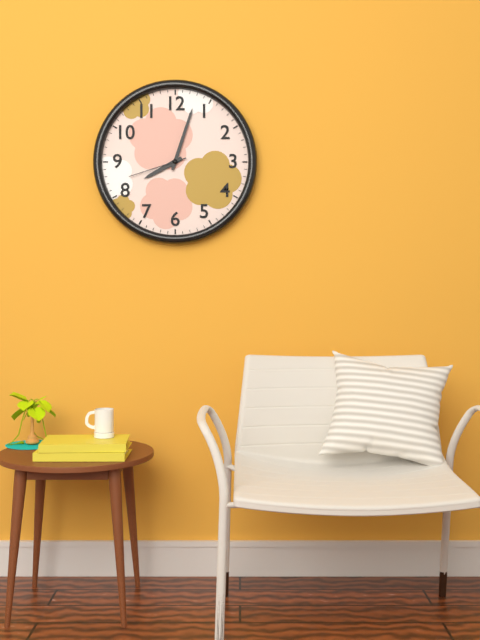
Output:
8:03:42
